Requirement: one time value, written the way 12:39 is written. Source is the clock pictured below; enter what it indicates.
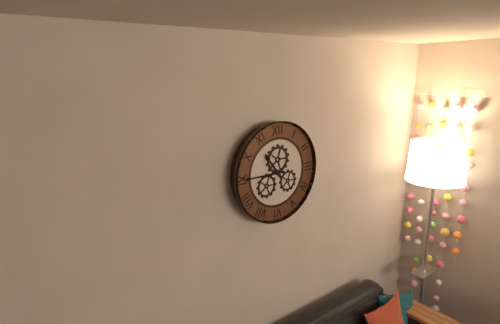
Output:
10:45
